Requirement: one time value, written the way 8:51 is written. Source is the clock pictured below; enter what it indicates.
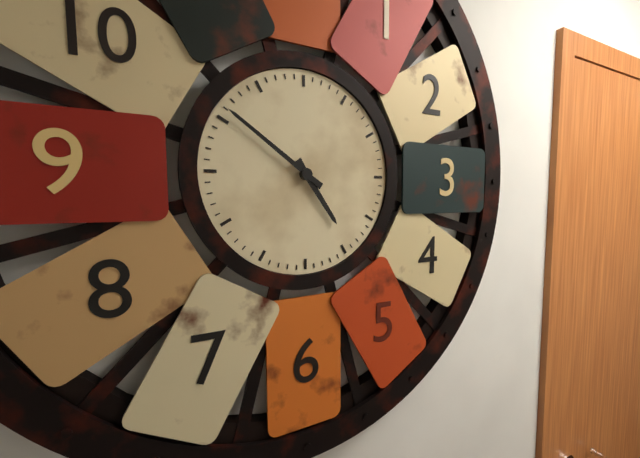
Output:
4:51
